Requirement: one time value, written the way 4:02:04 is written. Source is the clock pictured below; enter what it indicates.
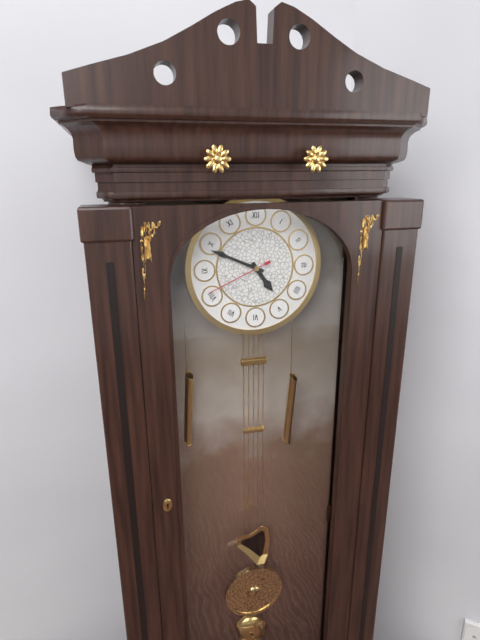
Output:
4:49:41
